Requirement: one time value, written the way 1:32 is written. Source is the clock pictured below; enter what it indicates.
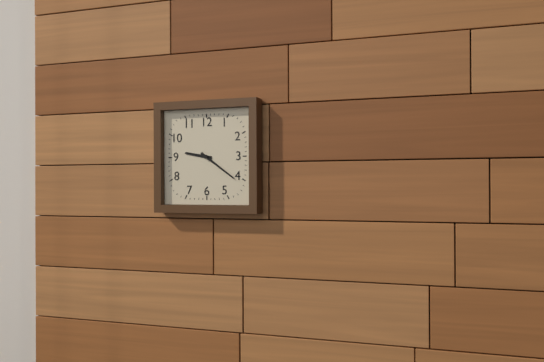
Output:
9:21
